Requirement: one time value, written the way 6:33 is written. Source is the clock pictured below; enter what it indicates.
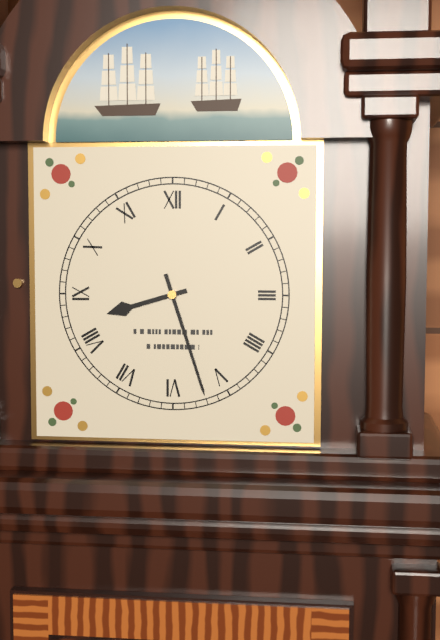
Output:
8:27
